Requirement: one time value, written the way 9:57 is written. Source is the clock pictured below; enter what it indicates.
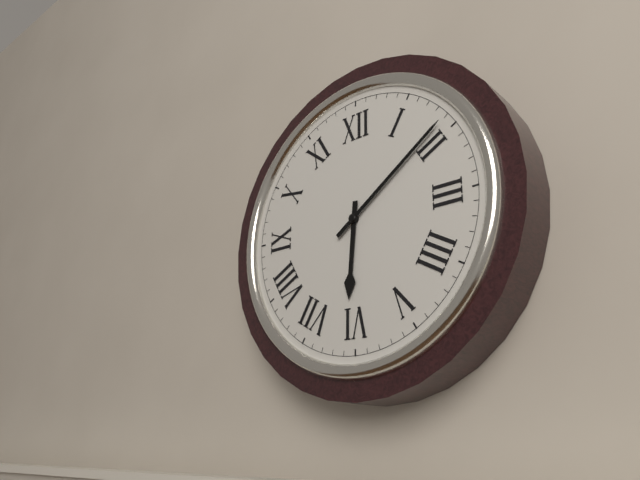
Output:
6:09
